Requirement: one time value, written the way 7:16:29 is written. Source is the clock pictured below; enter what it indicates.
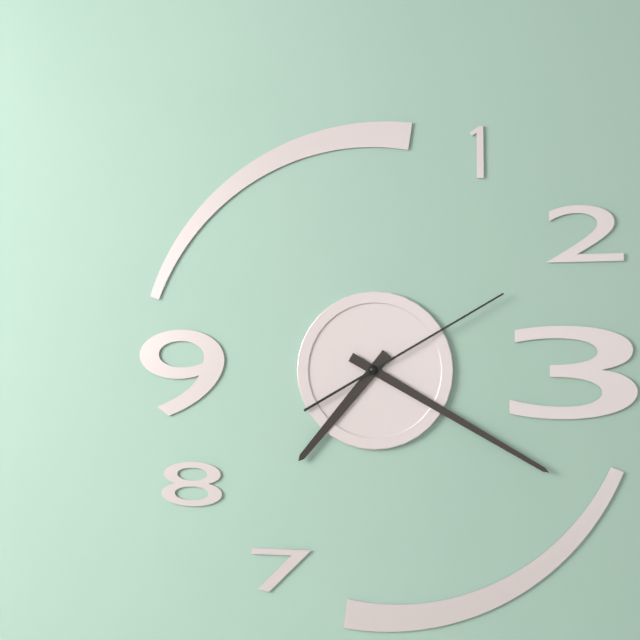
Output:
7:20:10
